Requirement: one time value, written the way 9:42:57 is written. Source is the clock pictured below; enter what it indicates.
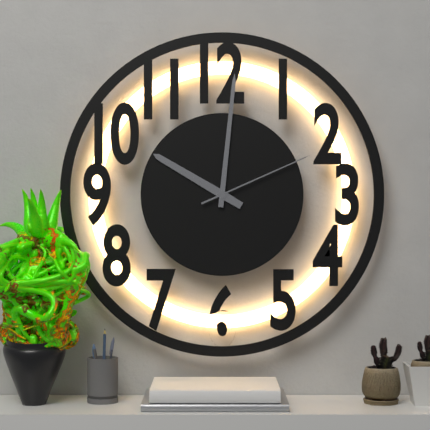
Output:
10:01:11
